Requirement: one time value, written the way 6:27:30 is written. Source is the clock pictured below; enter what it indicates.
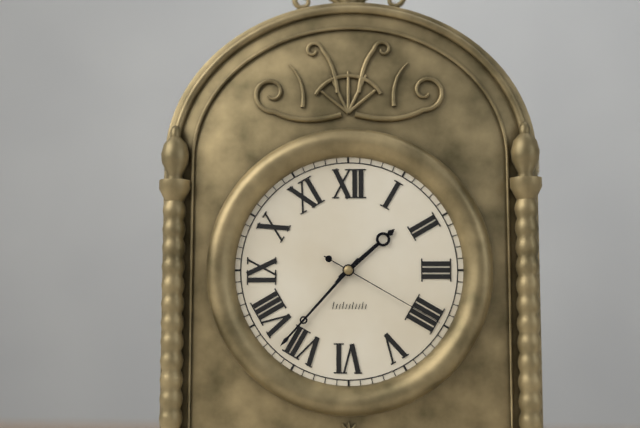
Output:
1:37:20
